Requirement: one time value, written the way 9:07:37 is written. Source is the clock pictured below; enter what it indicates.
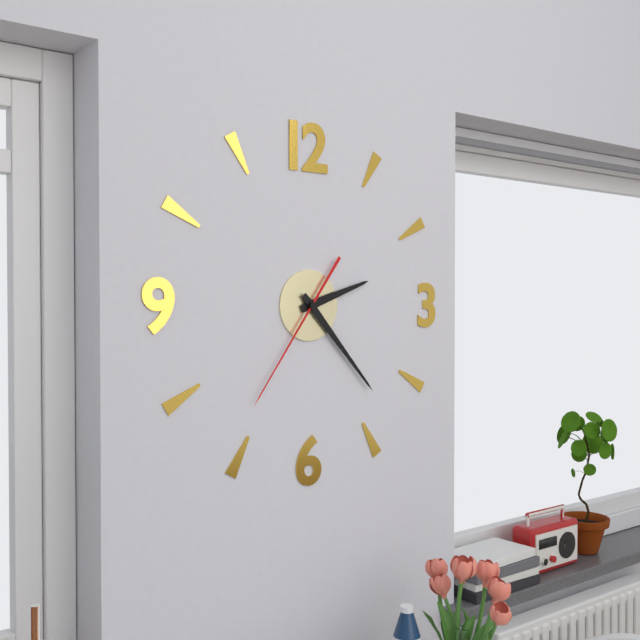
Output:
2:23:36
